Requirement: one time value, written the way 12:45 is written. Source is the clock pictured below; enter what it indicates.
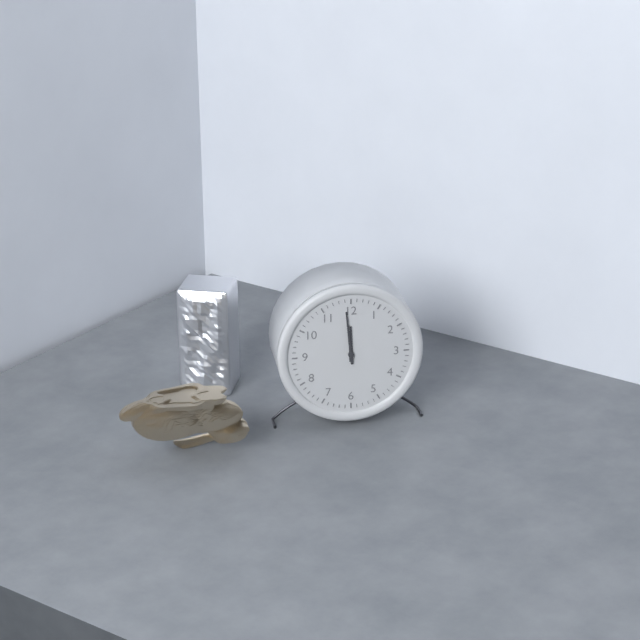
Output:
11:59
